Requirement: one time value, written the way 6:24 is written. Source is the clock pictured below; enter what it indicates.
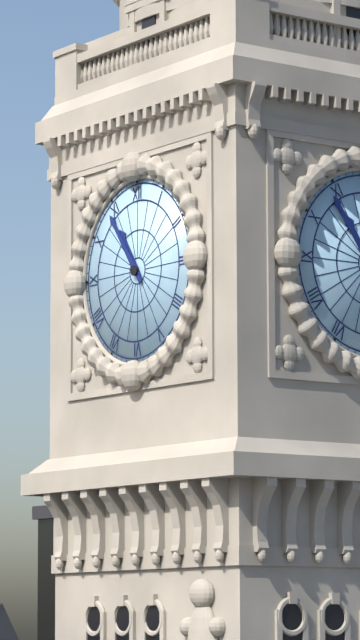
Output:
10:54
